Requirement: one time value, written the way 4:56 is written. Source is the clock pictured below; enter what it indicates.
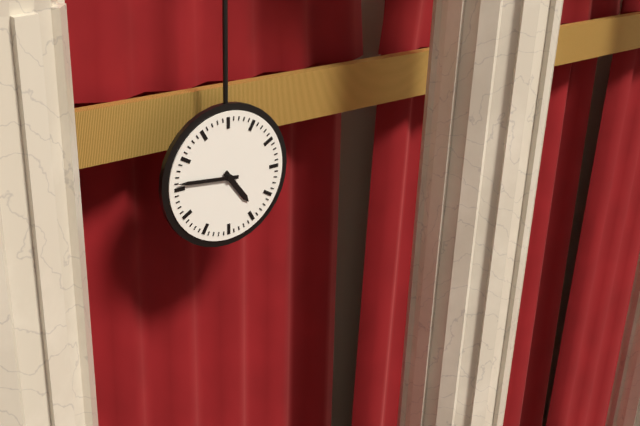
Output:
4:46
